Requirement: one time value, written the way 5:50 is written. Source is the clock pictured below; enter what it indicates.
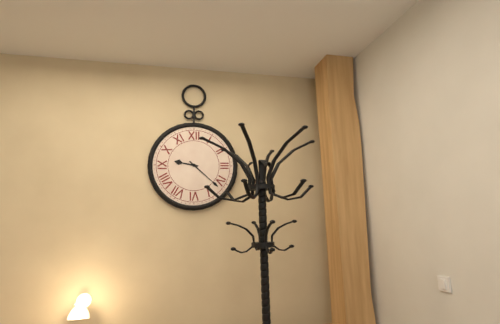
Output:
9:22
